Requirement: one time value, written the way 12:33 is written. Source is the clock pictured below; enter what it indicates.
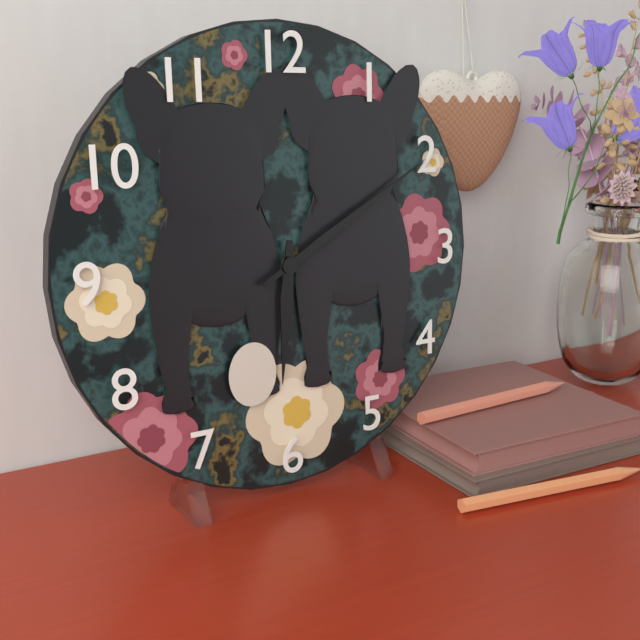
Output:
6:10
